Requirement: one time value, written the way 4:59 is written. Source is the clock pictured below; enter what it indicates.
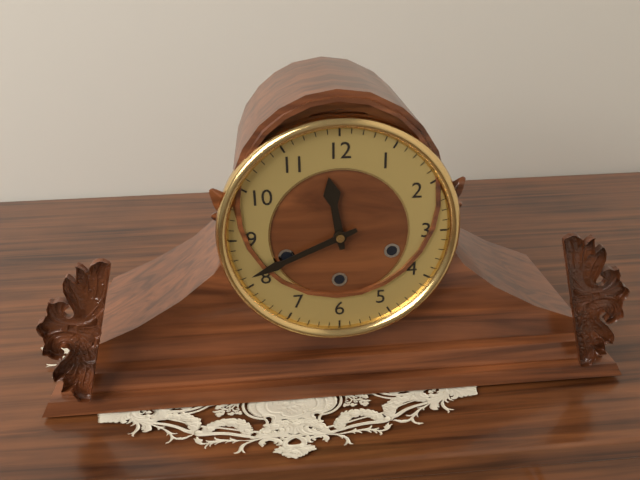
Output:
11:41
